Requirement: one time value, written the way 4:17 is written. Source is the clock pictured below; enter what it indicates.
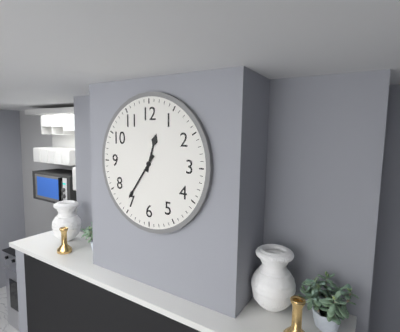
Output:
12:36
